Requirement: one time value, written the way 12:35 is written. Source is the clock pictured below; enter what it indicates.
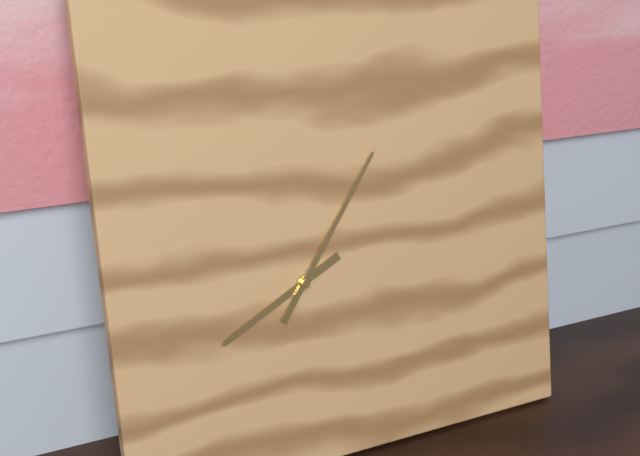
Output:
8:06
